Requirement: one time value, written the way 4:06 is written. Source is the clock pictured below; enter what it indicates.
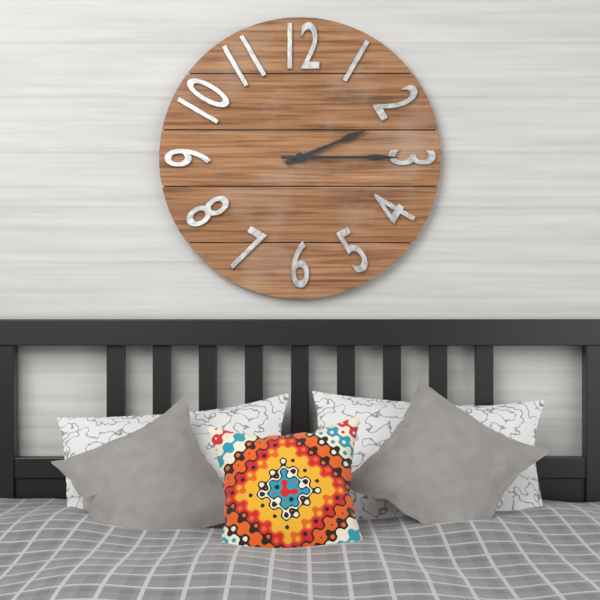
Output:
2:15
